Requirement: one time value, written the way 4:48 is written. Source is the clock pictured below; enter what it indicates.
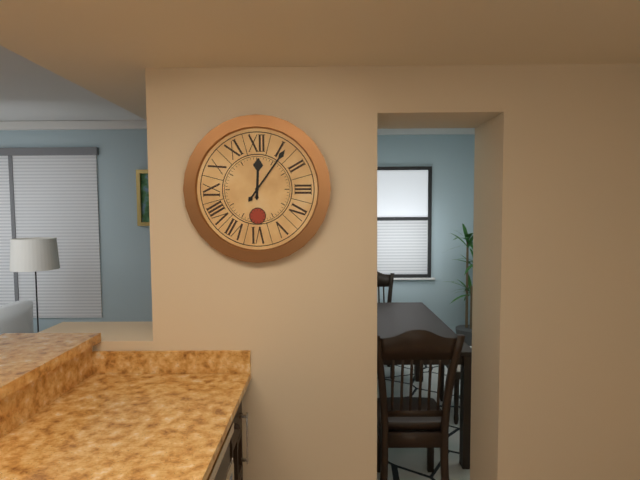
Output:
12:06
